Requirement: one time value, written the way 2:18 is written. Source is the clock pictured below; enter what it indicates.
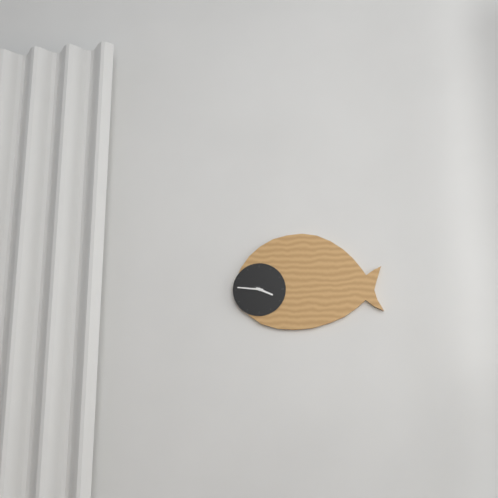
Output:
3:46
